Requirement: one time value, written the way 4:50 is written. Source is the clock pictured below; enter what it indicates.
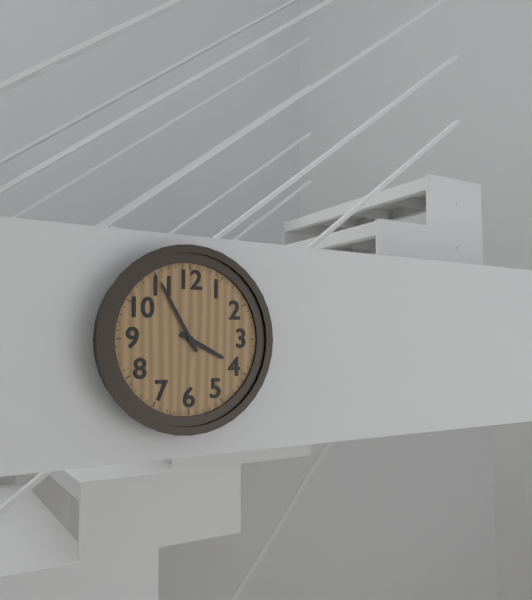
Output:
3:55
